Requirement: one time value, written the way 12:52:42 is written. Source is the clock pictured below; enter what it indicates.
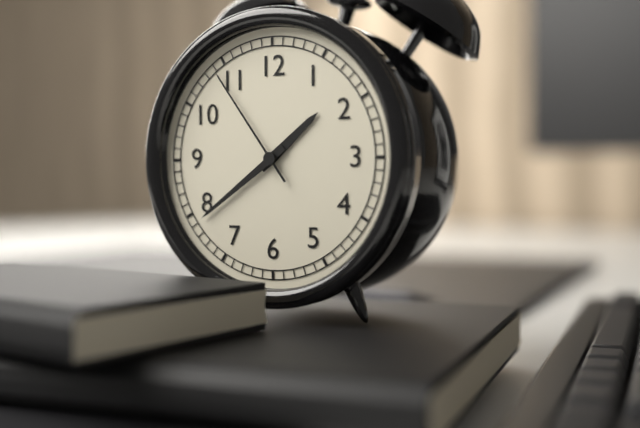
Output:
1:39:54
